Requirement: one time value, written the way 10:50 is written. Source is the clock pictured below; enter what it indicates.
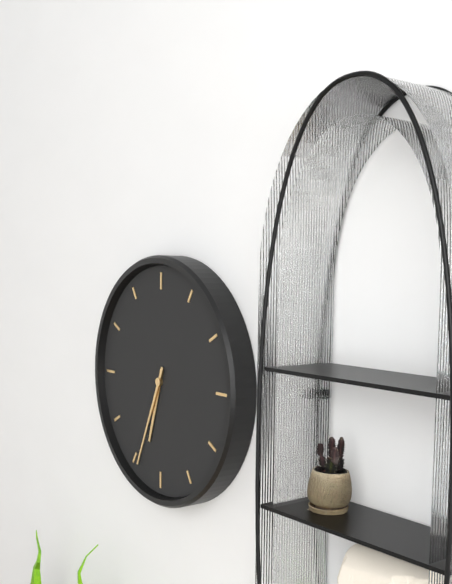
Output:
6:34
